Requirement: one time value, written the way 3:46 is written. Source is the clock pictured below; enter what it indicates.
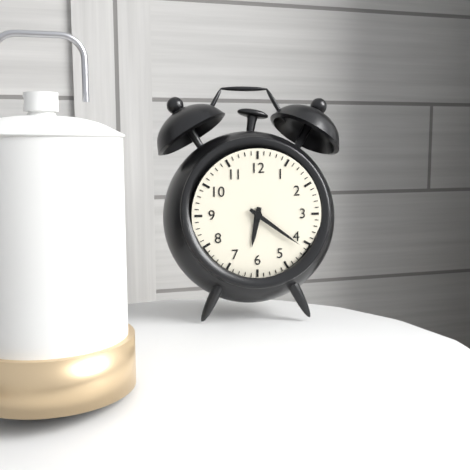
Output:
6:21
